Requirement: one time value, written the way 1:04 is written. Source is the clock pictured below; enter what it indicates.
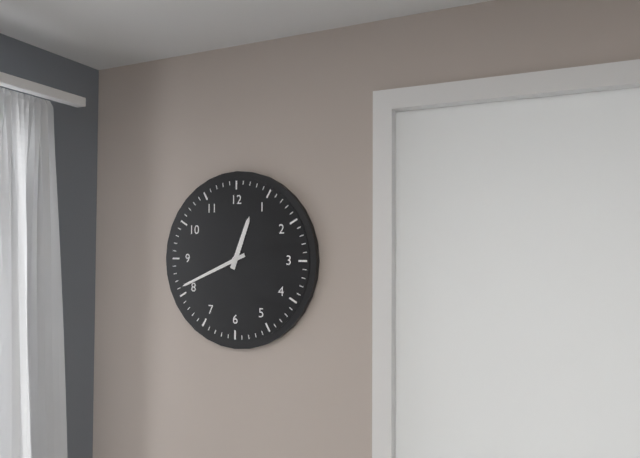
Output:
12:41
